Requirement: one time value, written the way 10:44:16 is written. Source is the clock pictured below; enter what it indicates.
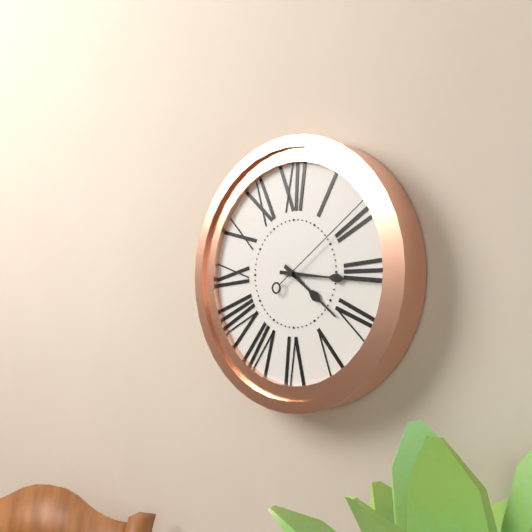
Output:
4:16:09
